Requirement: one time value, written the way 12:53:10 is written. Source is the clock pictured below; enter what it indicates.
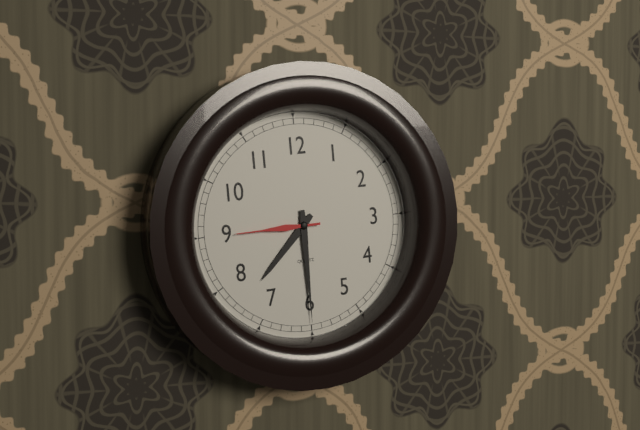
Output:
7:30:45
